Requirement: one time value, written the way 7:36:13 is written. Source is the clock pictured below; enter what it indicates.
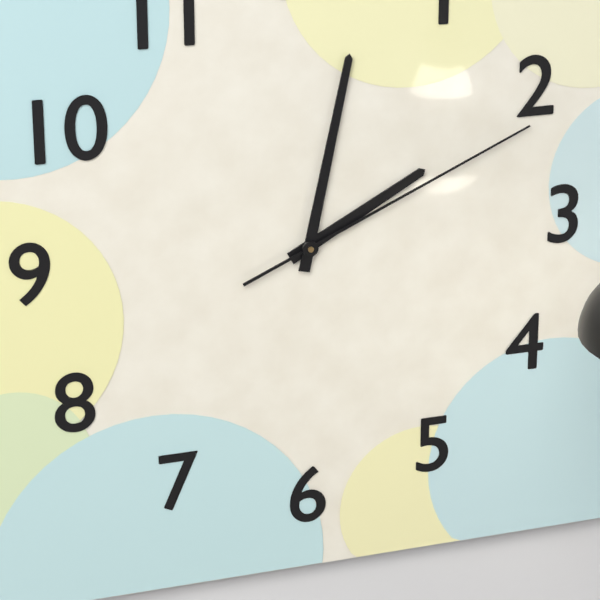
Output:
2:02:11
